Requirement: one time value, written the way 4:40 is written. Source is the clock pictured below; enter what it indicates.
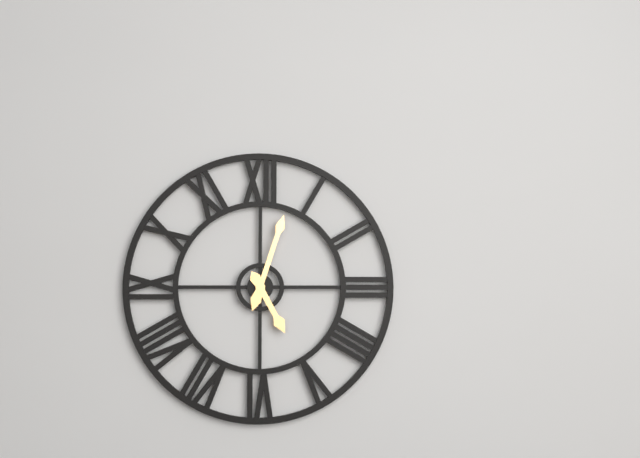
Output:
5:03
